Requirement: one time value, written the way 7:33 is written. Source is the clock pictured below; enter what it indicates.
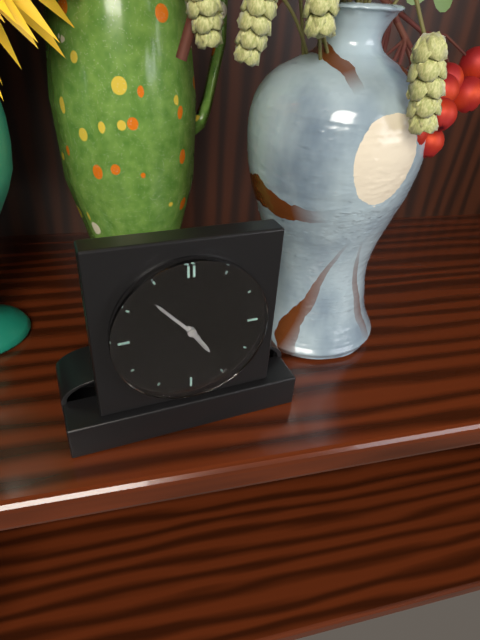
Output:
4:53
